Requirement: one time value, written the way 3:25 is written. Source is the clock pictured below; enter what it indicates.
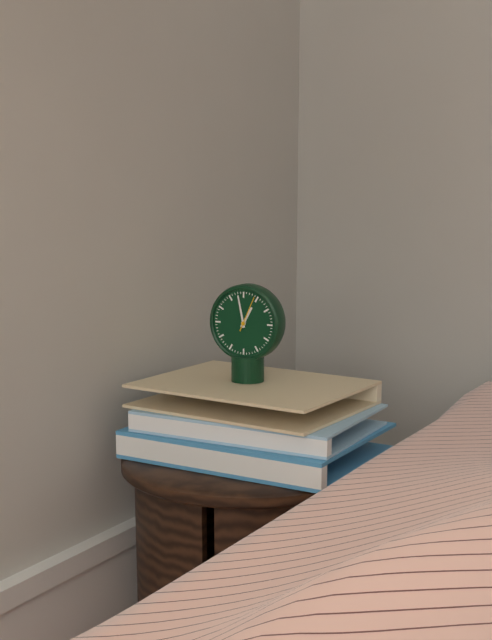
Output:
12:58
